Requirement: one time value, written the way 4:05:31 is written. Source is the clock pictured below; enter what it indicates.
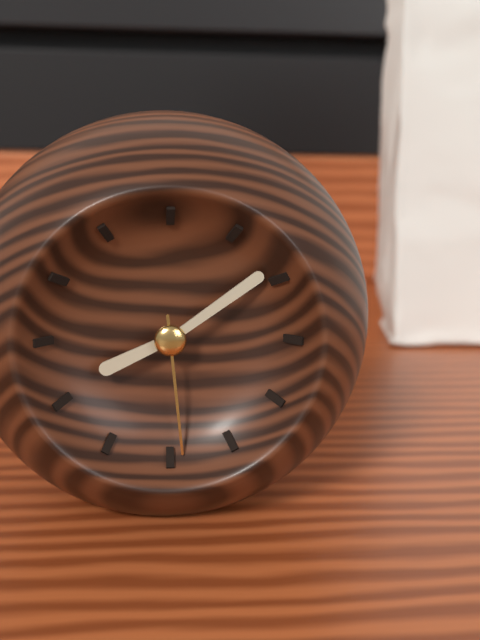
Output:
8:09:29
